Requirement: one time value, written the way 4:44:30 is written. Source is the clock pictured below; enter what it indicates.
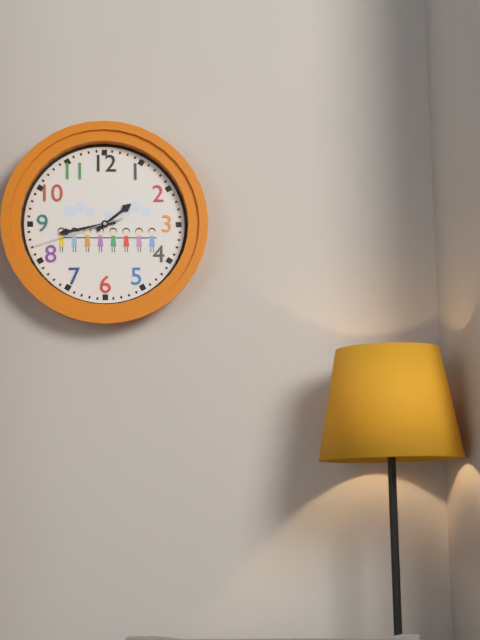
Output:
1:43:42
